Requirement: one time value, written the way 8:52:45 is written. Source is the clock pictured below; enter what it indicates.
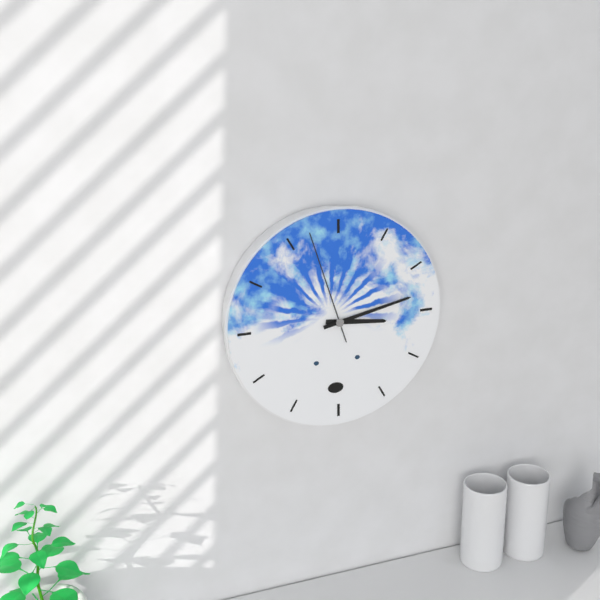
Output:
3:13:57
